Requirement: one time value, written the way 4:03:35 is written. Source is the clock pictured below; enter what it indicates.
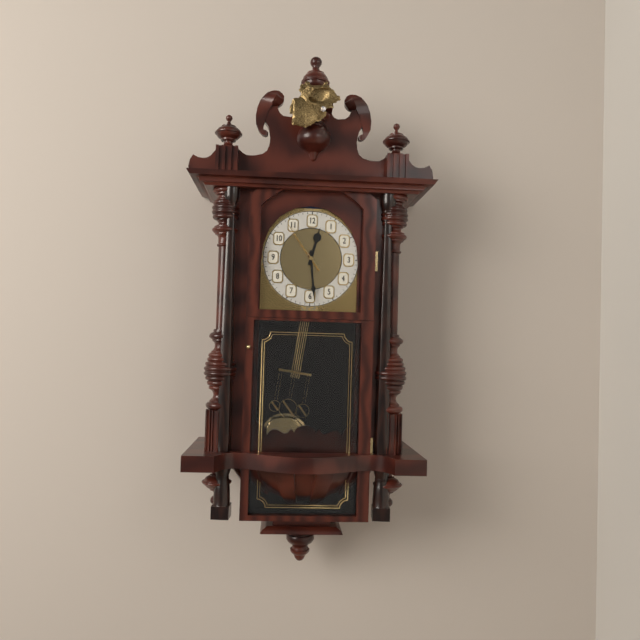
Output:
12:29:54
